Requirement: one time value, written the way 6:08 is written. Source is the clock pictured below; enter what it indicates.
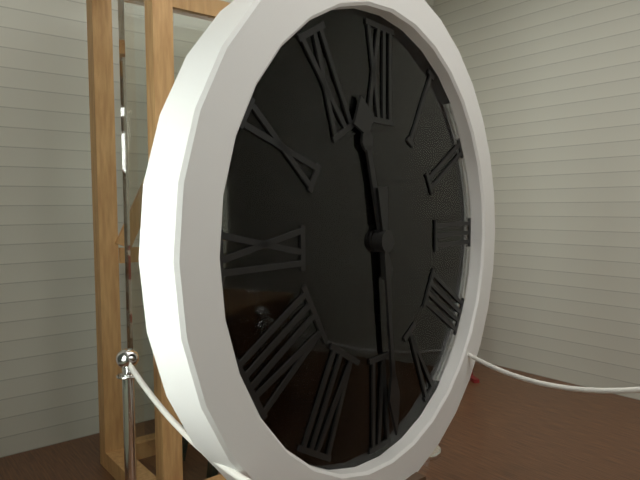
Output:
11:29
